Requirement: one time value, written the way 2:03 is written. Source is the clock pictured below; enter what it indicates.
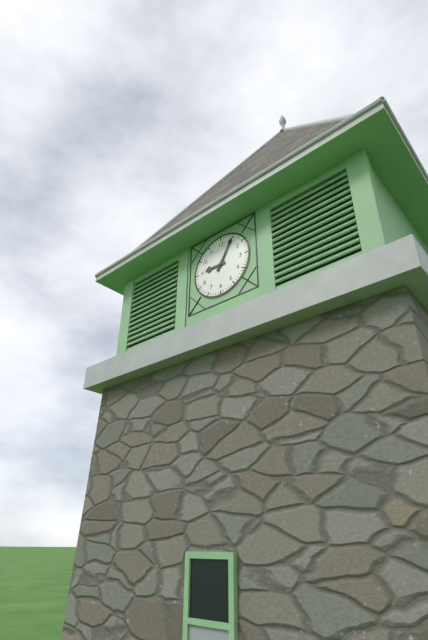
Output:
9:05
